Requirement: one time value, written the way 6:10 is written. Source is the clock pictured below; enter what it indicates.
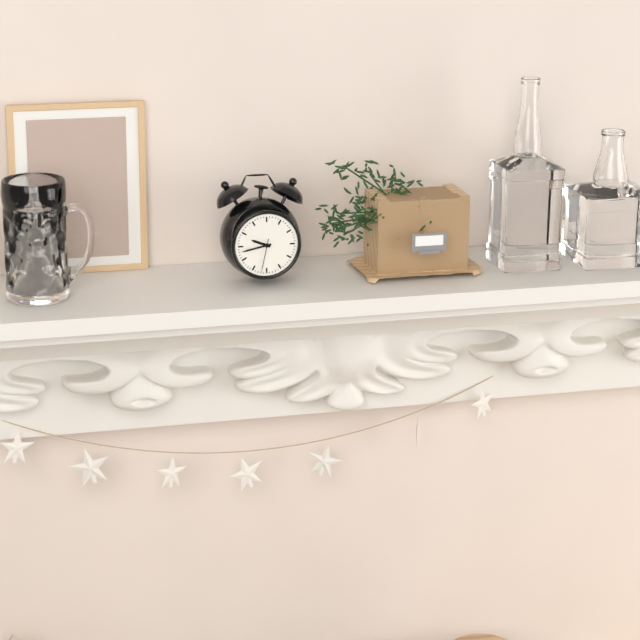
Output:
9:43
